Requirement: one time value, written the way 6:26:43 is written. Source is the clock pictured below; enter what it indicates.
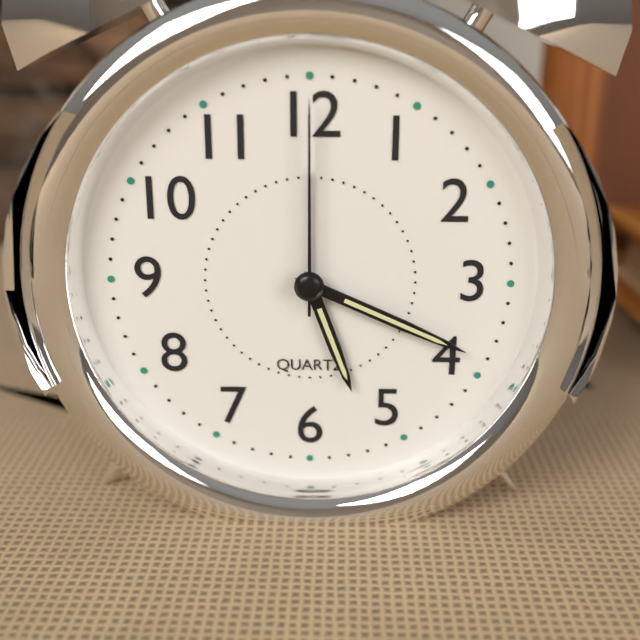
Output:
5:19:00
